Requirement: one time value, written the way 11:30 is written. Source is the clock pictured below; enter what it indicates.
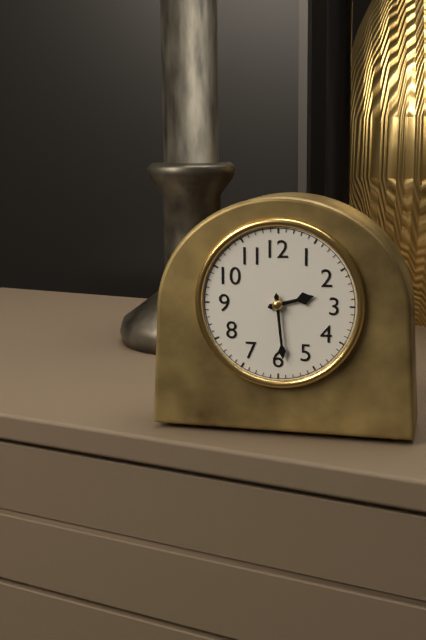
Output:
2:29
